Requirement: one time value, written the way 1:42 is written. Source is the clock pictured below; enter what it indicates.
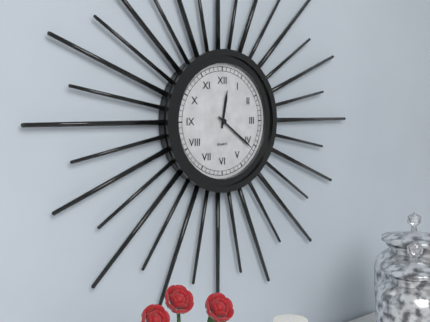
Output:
12:21
